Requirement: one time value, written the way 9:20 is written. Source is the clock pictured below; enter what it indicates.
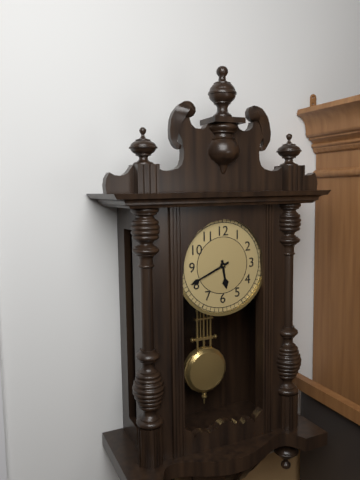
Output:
5:41
